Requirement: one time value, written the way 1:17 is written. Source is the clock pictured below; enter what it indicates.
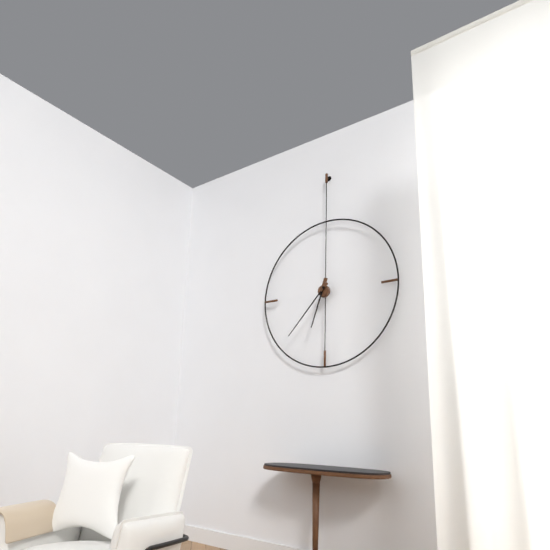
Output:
6:37
